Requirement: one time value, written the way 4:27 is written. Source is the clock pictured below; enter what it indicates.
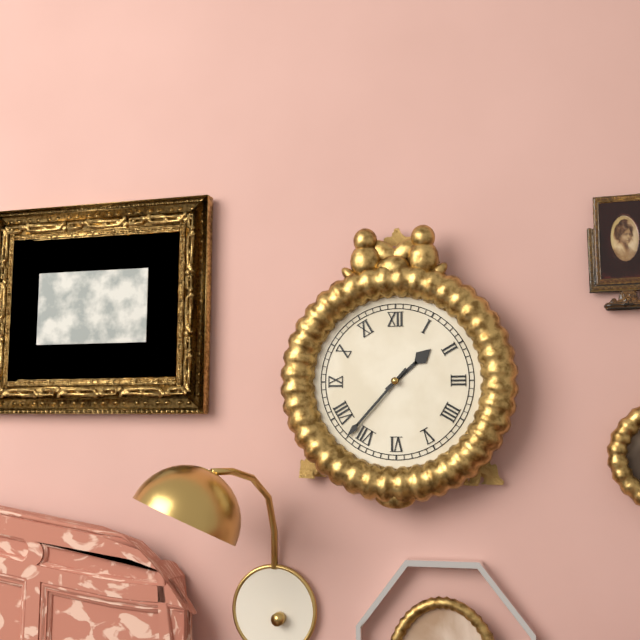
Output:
1:37
